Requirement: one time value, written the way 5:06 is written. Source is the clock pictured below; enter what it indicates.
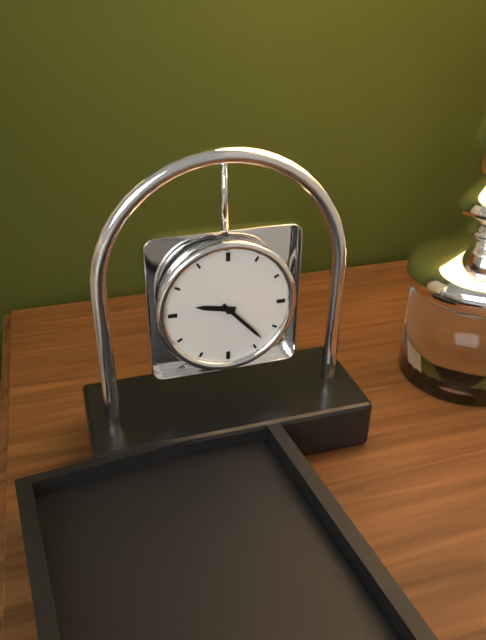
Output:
9:23
